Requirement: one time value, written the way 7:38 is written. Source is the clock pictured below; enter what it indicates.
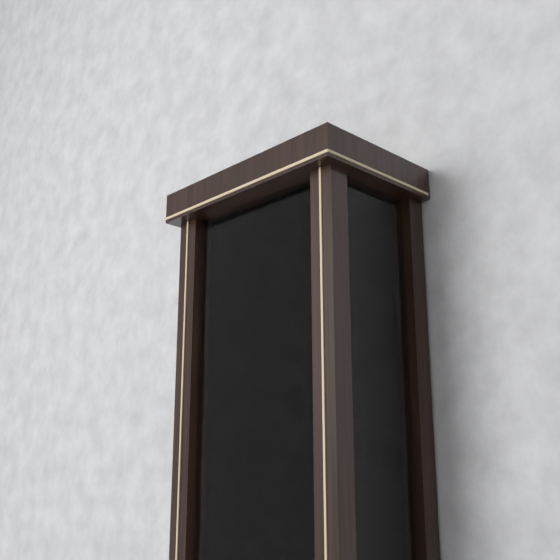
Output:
6:57
